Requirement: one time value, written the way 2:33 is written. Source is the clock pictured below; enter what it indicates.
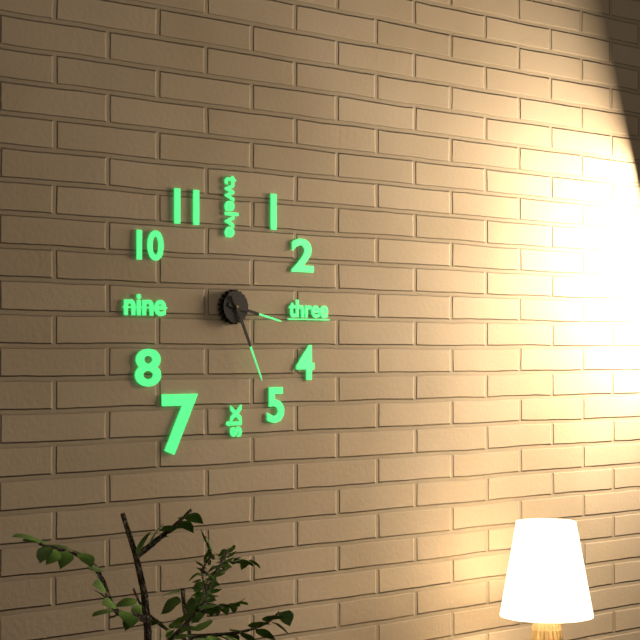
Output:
3:26
